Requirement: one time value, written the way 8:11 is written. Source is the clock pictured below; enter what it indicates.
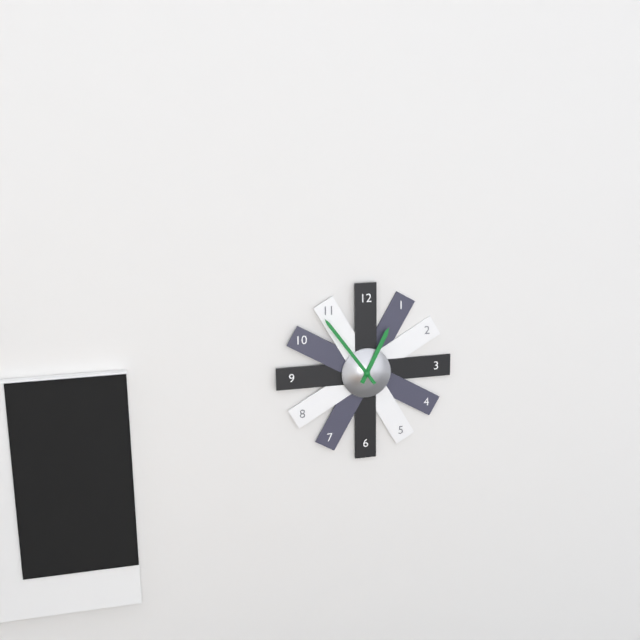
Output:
12:54
